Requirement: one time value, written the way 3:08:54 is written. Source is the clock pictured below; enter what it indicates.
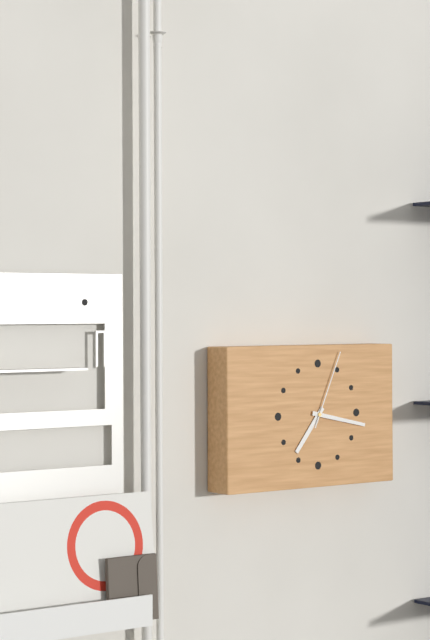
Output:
7:17:04
